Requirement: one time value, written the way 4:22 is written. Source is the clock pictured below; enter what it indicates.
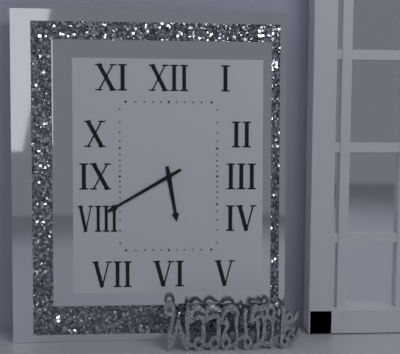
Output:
5:40
